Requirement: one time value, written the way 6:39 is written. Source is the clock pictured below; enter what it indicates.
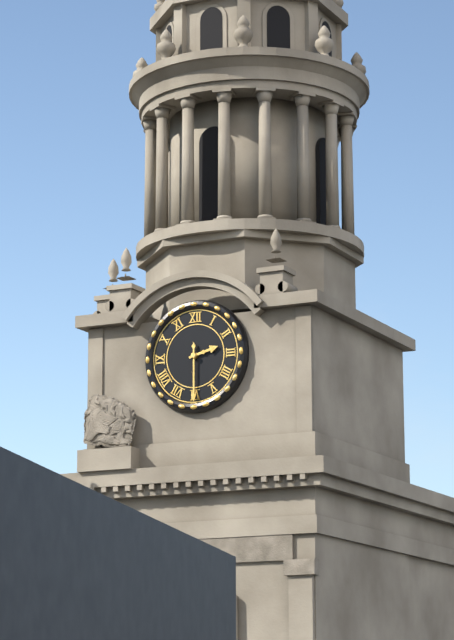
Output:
2:30
